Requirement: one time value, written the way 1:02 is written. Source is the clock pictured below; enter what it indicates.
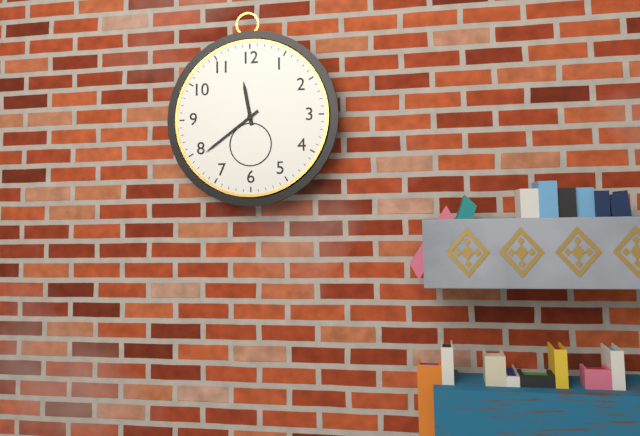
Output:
11:39
